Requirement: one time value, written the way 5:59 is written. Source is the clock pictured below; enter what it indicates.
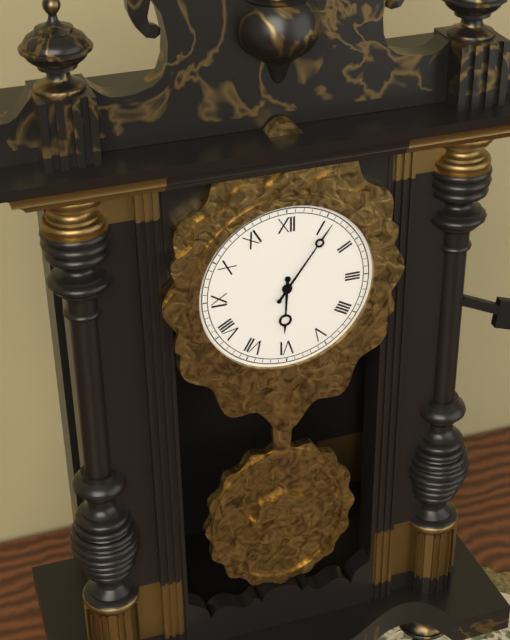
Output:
6:06
